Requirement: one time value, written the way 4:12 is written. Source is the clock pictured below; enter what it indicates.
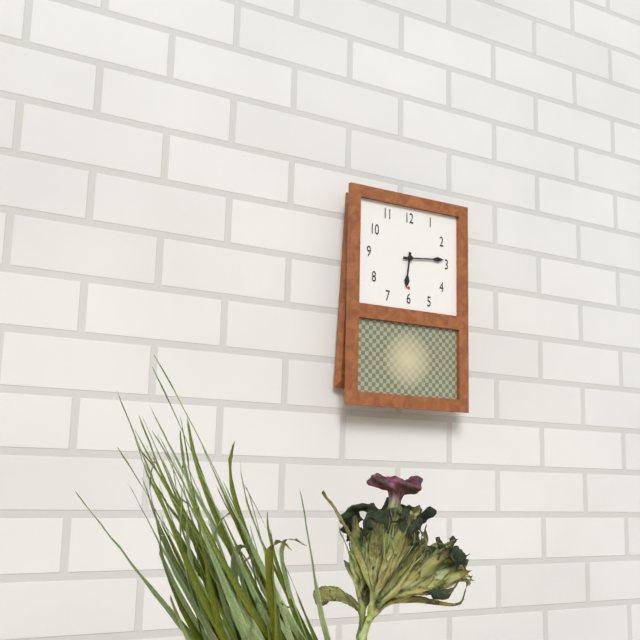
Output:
6:14
